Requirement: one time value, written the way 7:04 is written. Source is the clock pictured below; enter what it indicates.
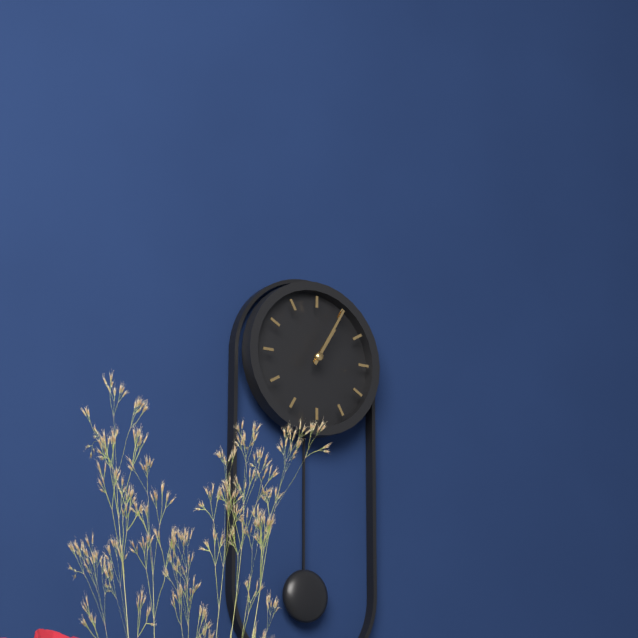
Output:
1:05
